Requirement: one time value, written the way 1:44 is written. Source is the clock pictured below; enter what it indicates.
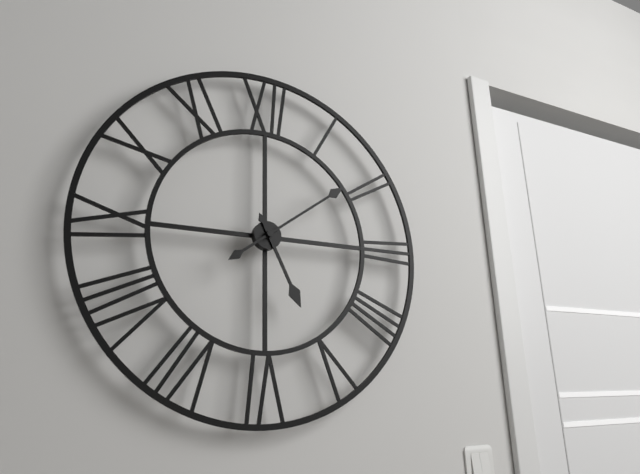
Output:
5:09
